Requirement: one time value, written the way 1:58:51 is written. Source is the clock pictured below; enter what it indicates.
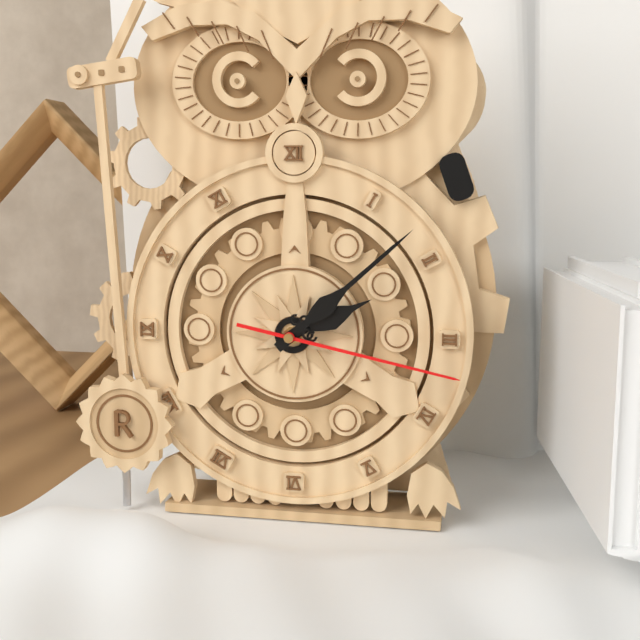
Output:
2:08:17
